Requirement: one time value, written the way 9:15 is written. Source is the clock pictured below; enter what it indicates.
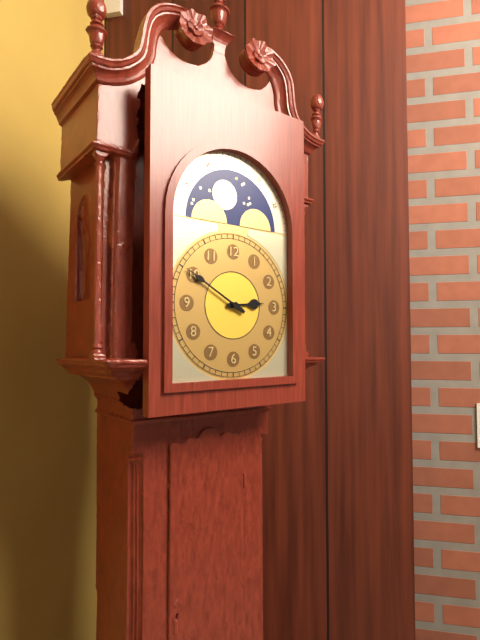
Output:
2:50
